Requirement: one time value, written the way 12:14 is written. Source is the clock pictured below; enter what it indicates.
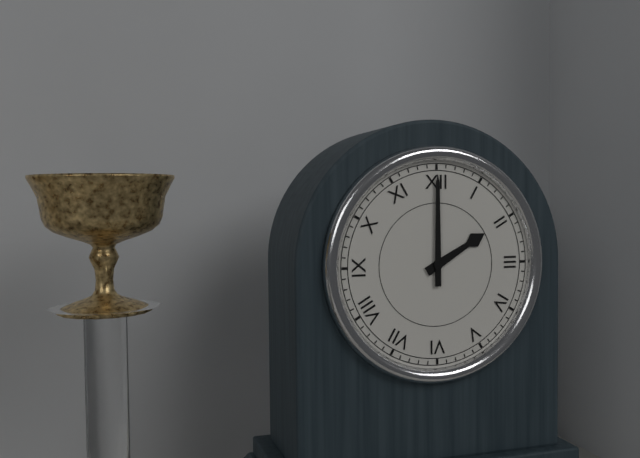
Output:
2:00
